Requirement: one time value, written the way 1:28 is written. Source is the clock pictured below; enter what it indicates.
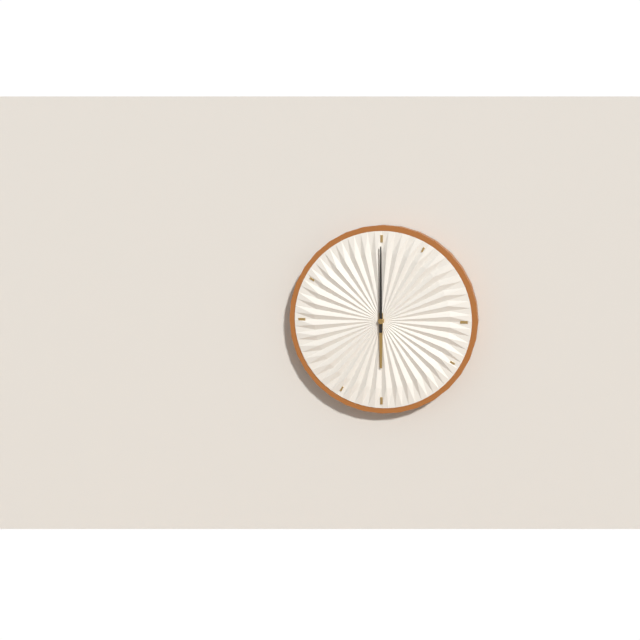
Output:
6:00
